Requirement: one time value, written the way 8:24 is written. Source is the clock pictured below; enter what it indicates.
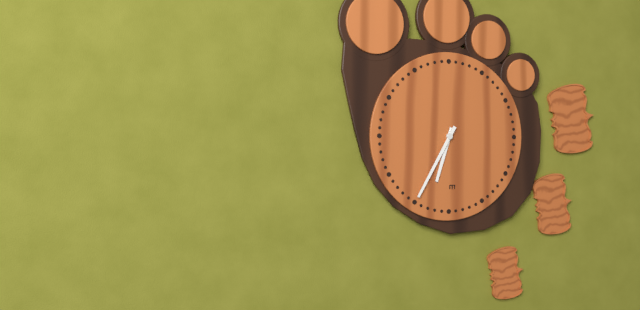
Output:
6:35
